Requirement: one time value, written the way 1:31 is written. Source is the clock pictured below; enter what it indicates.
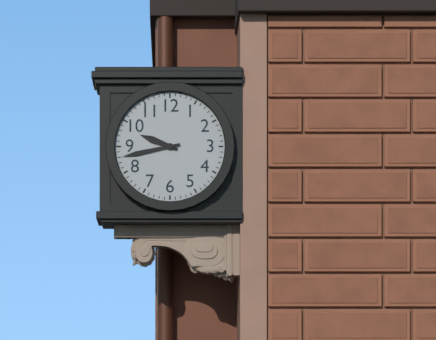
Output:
9:43
